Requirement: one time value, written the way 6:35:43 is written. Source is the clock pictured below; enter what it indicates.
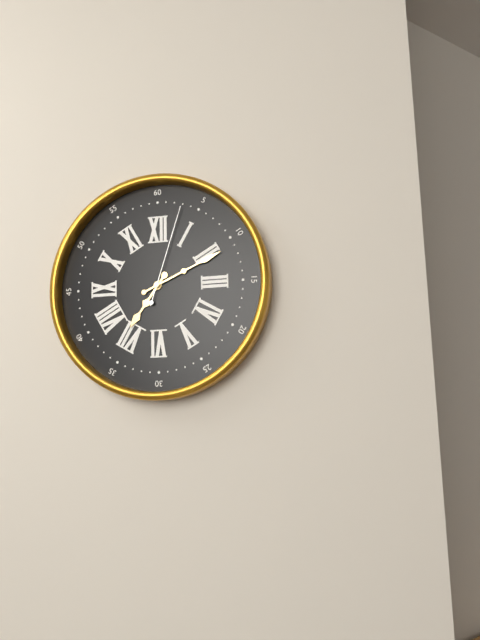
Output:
7:11:03
